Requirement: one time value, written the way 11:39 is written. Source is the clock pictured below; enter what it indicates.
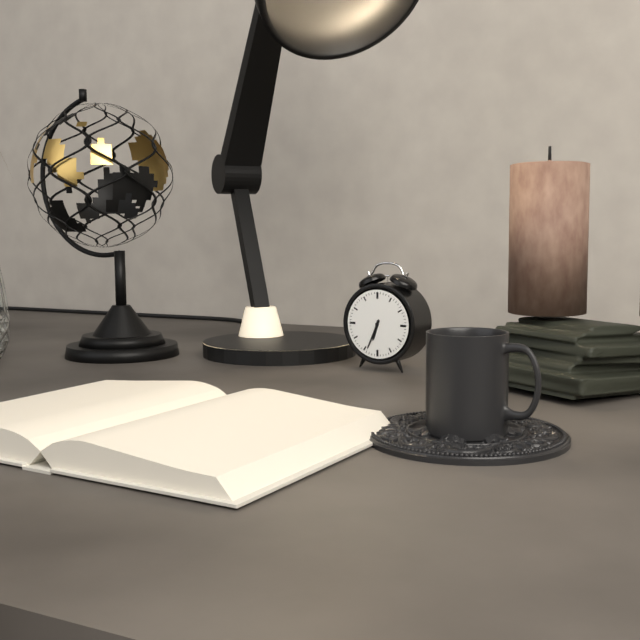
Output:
6:34
